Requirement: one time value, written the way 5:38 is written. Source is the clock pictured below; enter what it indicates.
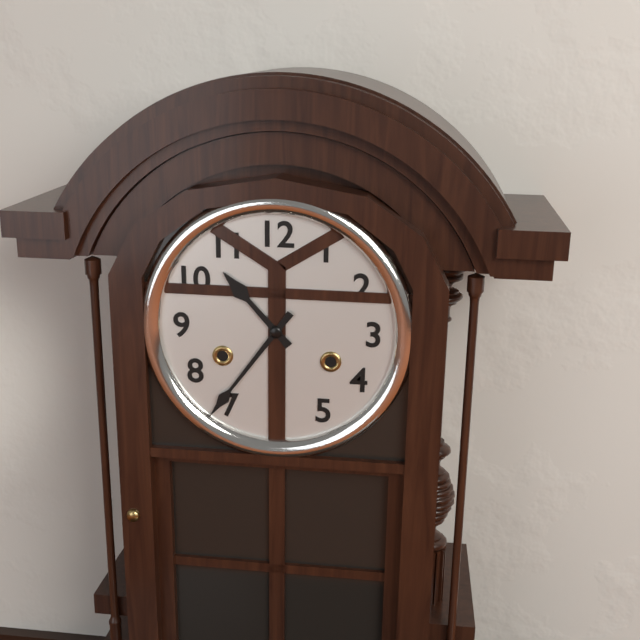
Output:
10:36
